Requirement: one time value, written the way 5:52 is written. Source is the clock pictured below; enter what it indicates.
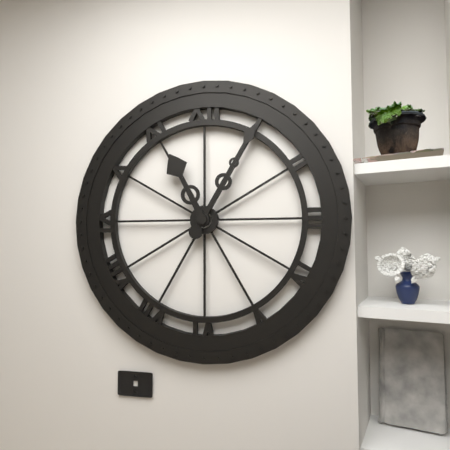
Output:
11:05
